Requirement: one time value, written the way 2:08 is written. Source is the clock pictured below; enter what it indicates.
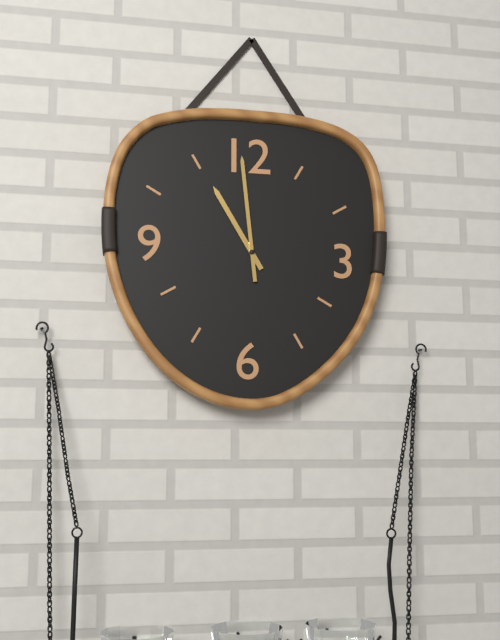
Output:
10:59
